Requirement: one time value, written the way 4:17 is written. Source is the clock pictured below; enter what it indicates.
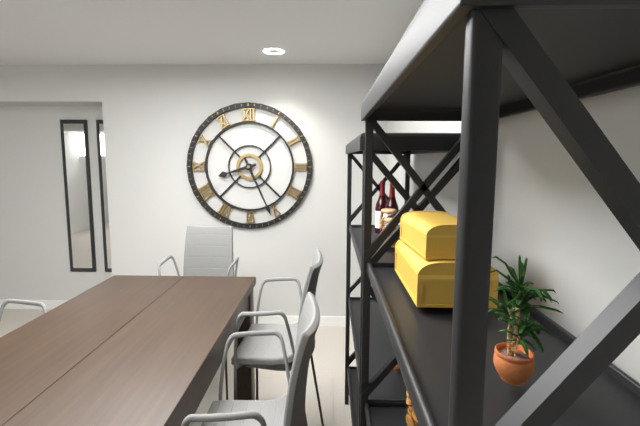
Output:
8:26
